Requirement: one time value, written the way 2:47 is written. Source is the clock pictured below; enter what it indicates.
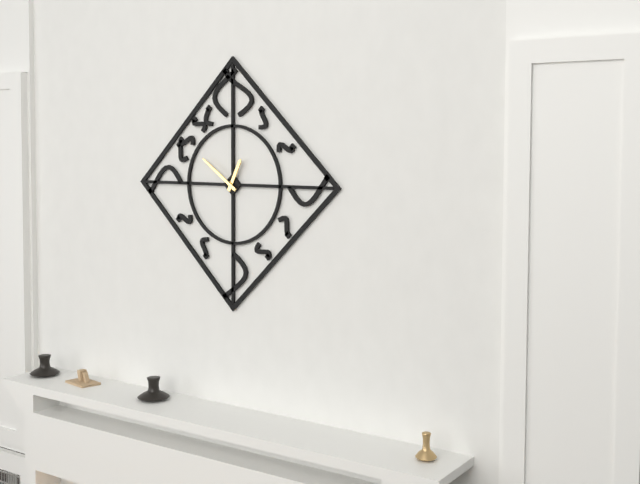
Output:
12:51
